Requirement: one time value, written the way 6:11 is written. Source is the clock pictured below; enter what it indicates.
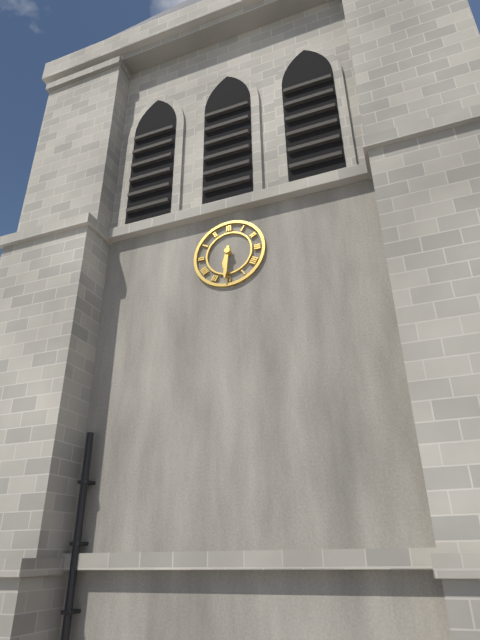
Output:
6:31
